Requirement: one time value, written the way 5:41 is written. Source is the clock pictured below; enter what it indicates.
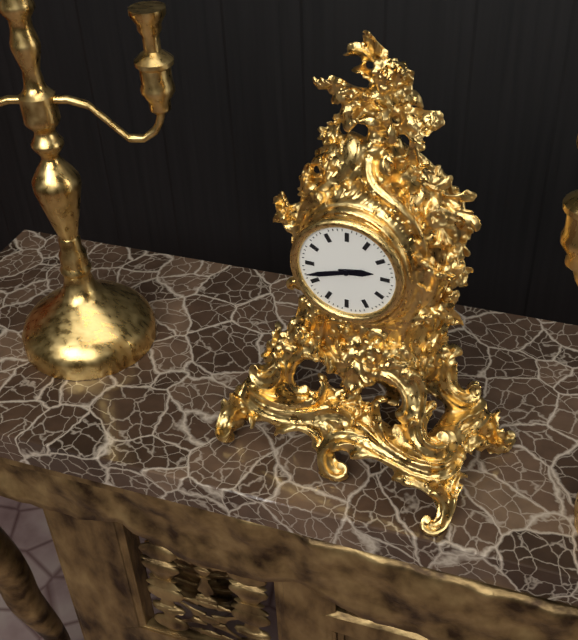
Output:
2:42
